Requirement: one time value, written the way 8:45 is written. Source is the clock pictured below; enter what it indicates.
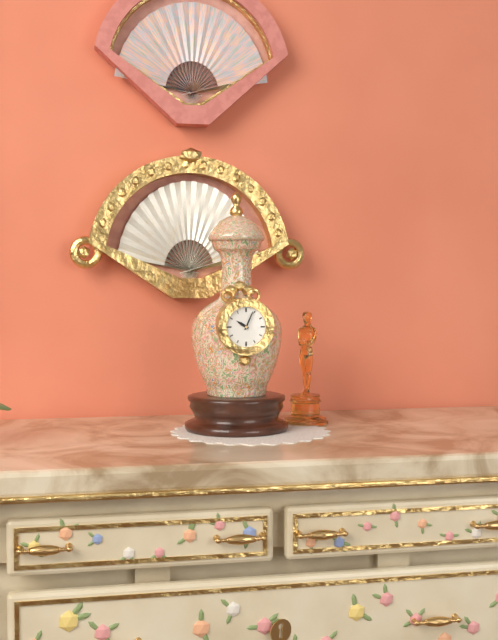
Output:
10:04
